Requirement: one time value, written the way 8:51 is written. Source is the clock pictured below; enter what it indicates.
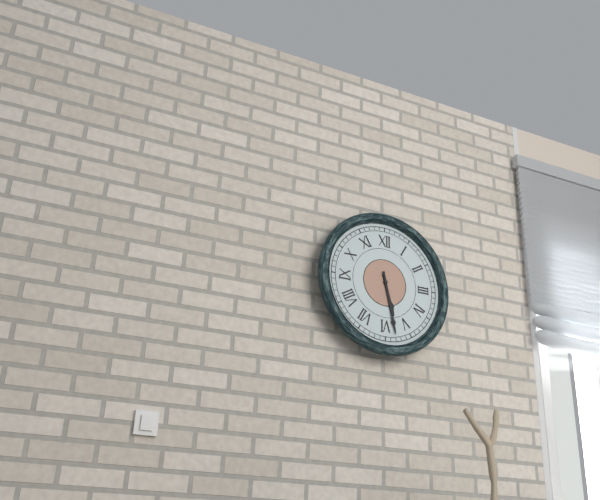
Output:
5:28
